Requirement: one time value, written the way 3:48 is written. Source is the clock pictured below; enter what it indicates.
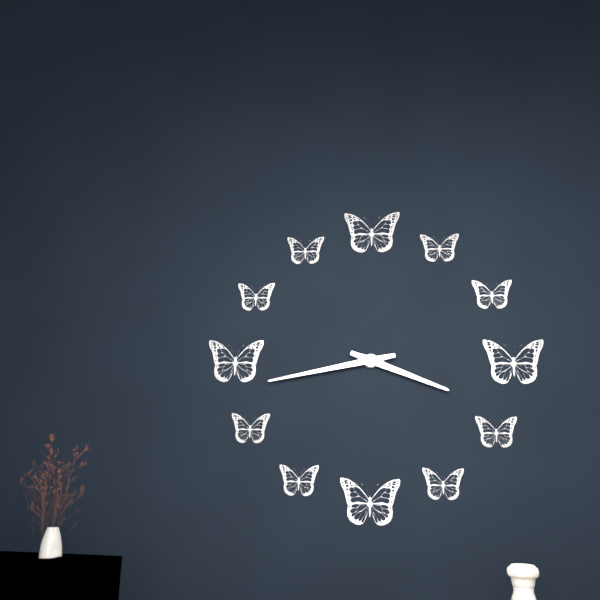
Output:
3:43
